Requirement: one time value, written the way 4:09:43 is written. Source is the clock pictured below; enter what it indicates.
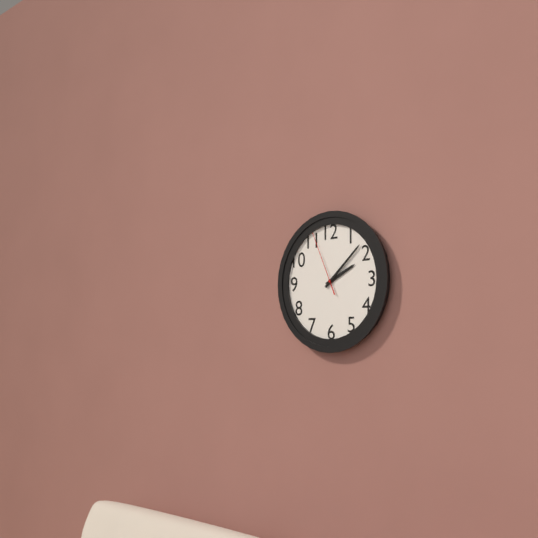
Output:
2:08:56
